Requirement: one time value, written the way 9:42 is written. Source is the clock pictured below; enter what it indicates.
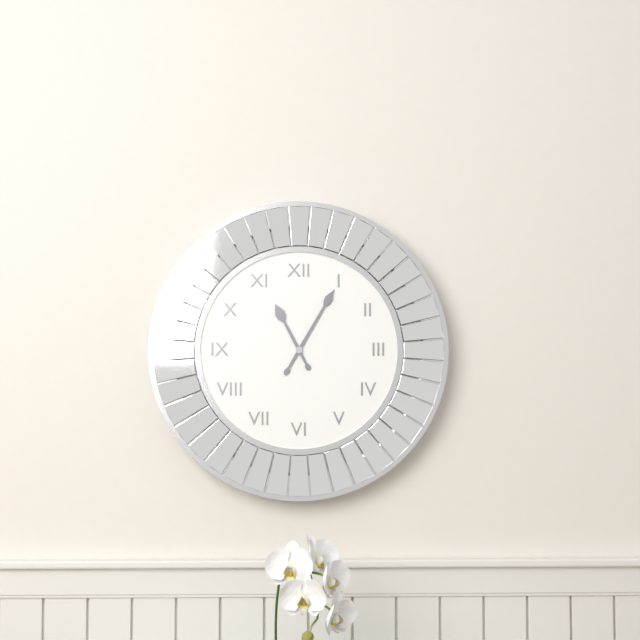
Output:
11:05
